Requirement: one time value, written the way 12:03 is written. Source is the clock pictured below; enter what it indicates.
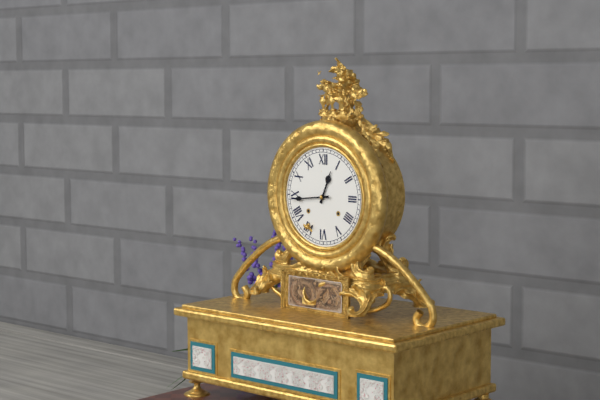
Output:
12:44
